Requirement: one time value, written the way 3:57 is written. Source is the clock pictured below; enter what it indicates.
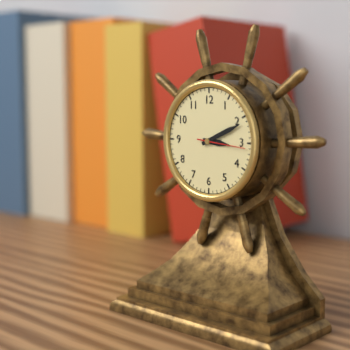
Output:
3:11
